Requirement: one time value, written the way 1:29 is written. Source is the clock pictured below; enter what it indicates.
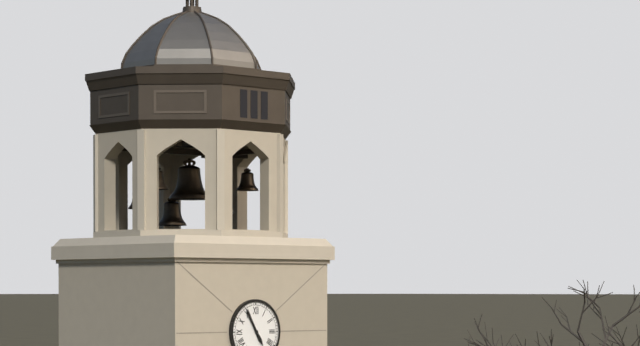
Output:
4:55
